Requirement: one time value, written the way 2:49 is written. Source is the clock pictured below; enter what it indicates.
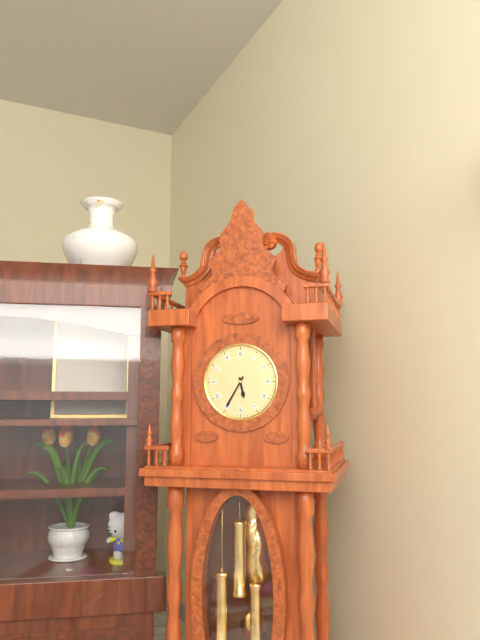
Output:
5:35
